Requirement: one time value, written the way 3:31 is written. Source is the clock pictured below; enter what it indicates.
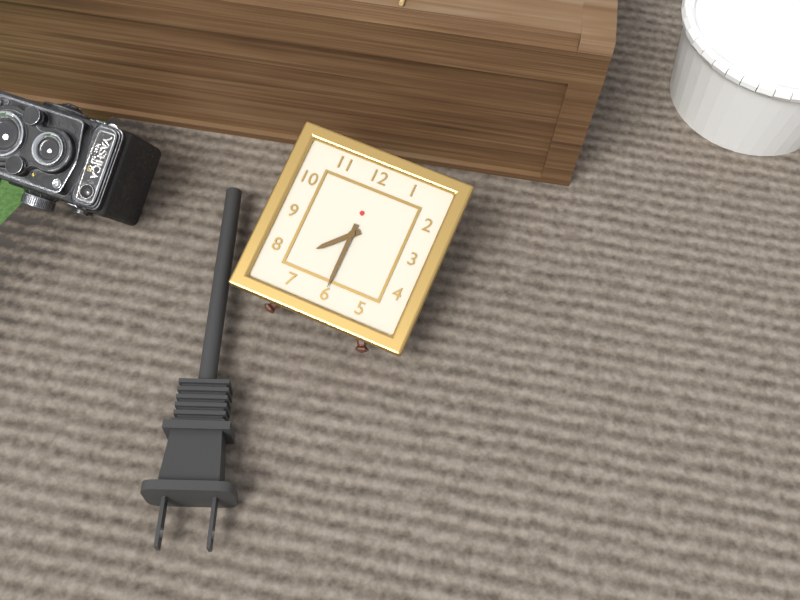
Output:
7:30
